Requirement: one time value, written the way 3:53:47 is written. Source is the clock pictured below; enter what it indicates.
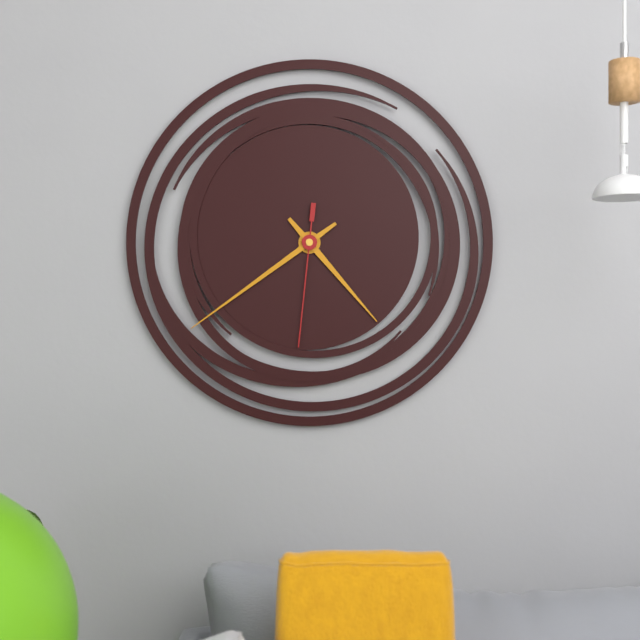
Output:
4:39:31
